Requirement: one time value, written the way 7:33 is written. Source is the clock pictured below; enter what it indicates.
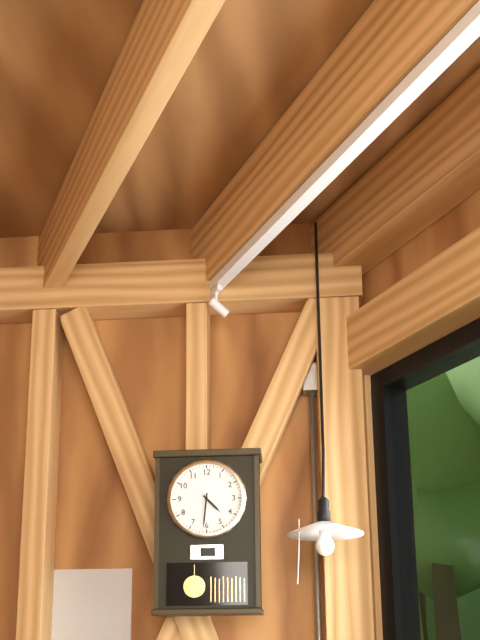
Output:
4:31
